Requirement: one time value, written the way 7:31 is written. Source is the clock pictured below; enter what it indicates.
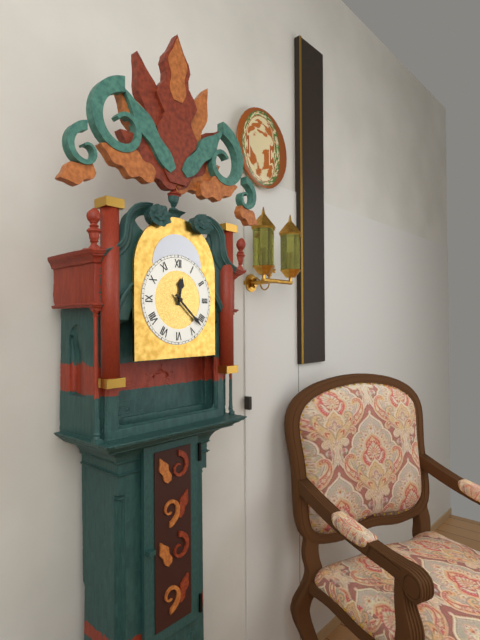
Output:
12:22
